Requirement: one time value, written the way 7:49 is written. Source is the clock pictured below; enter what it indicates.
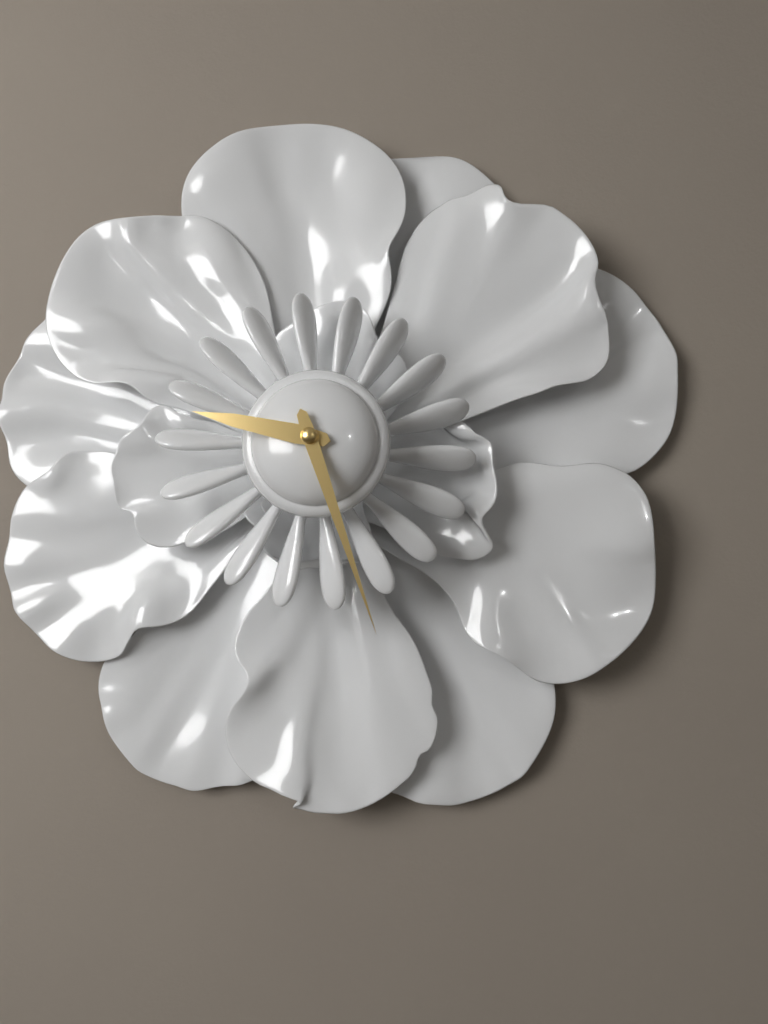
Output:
9:27
